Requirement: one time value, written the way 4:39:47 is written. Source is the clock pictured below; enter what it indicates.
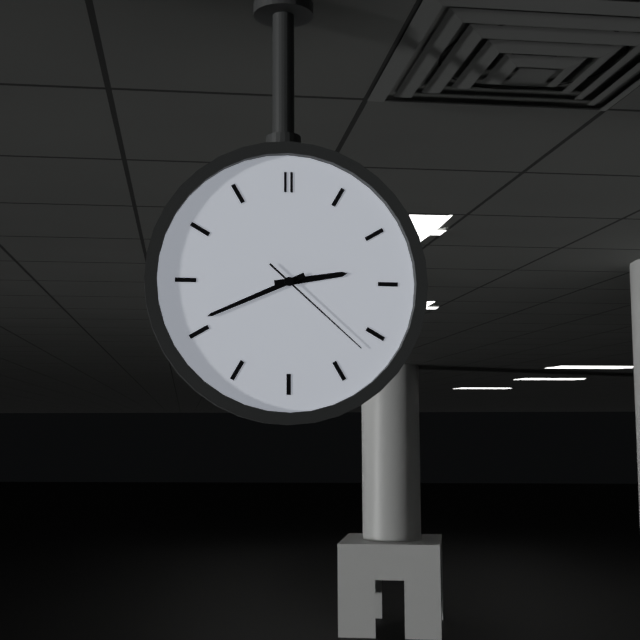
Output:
2:41:22
